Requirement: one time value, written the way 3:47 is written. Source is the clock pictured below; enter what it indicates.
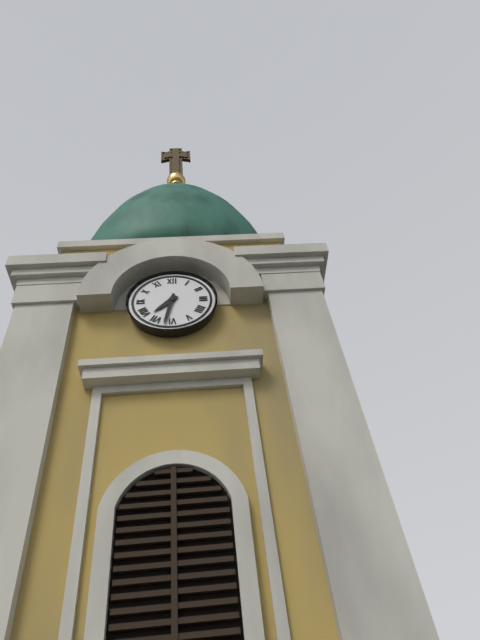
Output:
7:32
